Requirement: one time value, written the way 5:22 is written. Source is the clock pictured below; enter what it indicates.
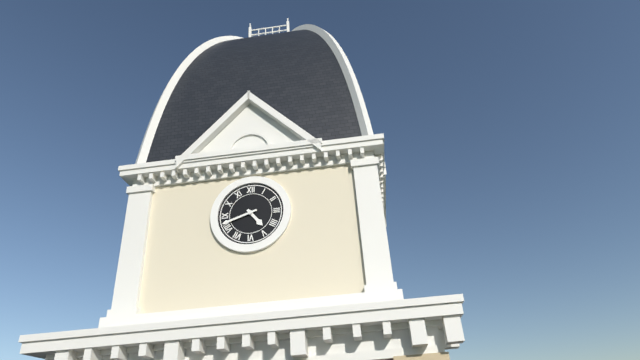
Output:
4:42
